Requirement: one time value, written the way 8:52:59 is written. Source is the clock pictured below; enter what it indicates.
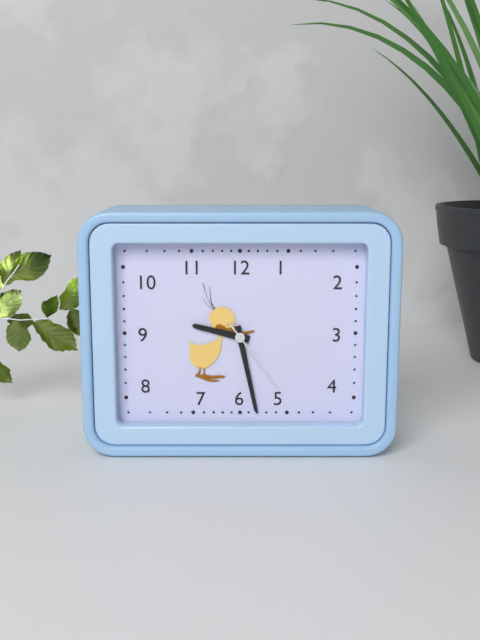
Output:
9:28:24
